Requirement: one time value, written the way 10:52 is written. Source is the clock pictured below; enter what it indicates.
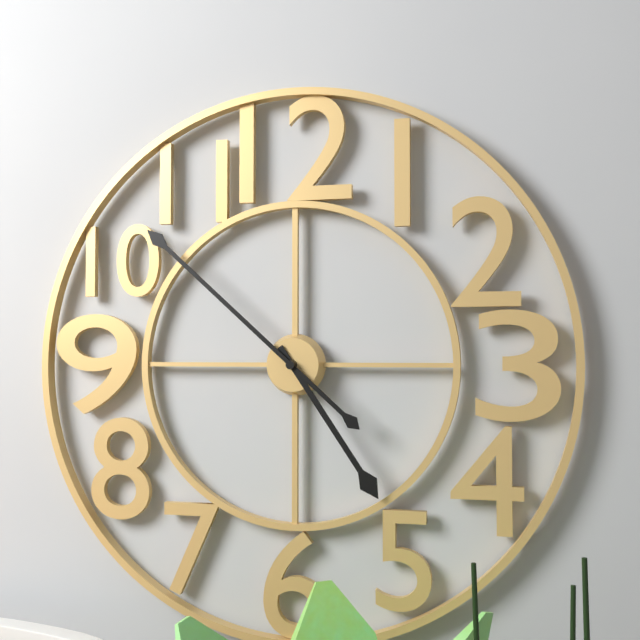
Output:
4:52
